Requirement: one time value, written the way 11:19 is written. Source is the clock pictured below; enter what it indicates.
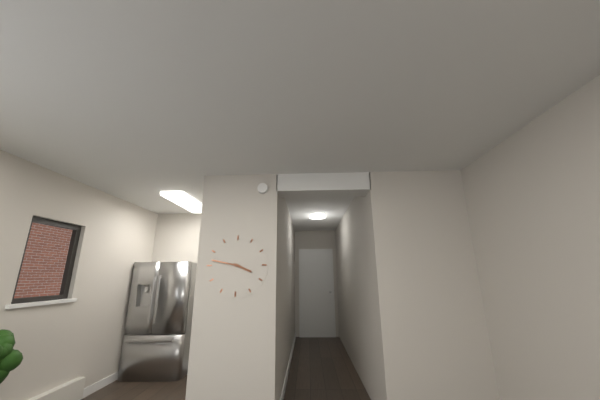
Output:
3:47
